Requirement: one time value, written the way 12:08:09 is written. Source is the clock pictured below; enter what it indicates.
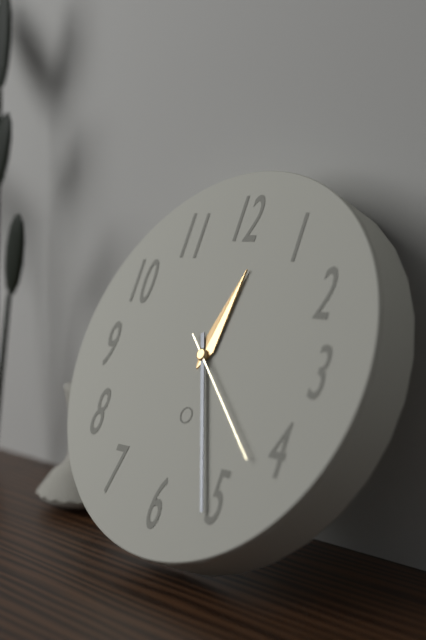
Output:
12:26:22
